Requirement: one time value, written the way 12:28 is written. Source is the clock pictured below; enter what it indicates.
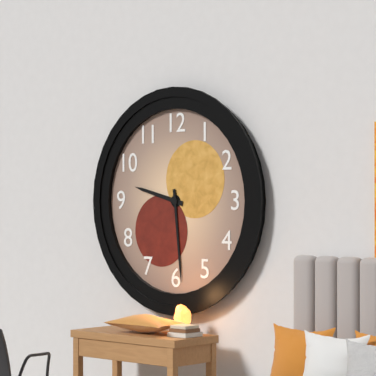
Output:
9:29
